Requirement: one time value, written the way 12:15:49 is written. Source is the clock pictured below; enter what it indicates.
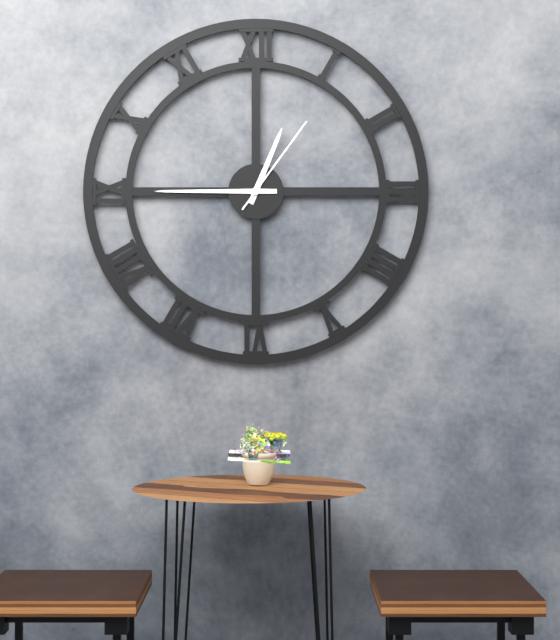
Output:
12:45:06
